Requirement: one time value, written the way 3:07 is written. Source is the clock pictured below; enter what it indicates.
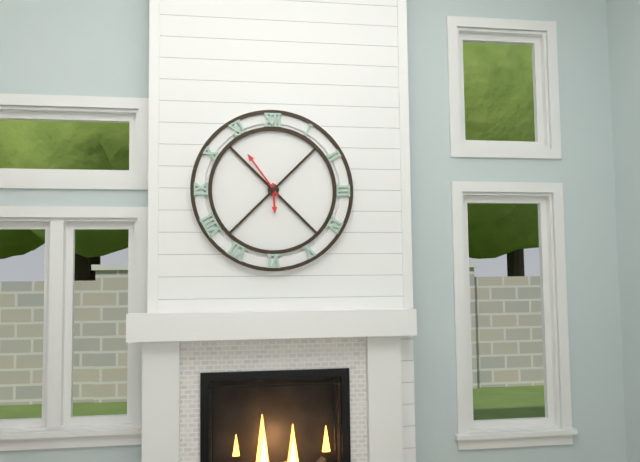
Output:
5:54
